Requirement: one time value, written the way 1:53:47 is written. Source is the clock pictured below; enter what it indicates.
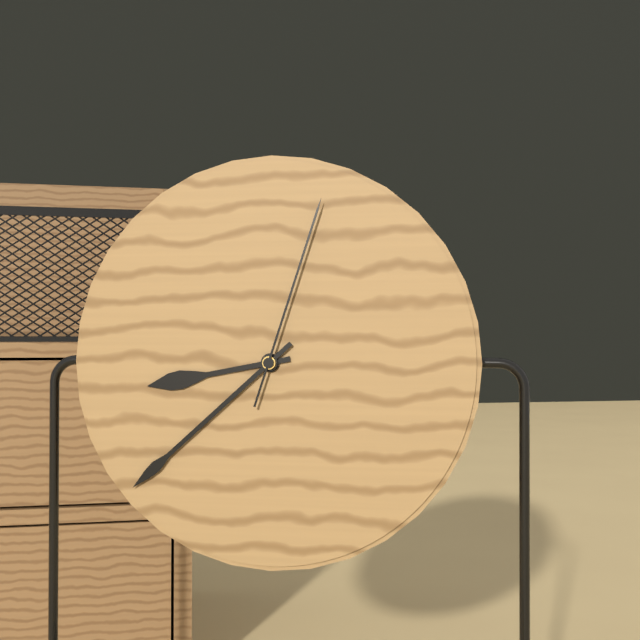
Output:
8:38:03
